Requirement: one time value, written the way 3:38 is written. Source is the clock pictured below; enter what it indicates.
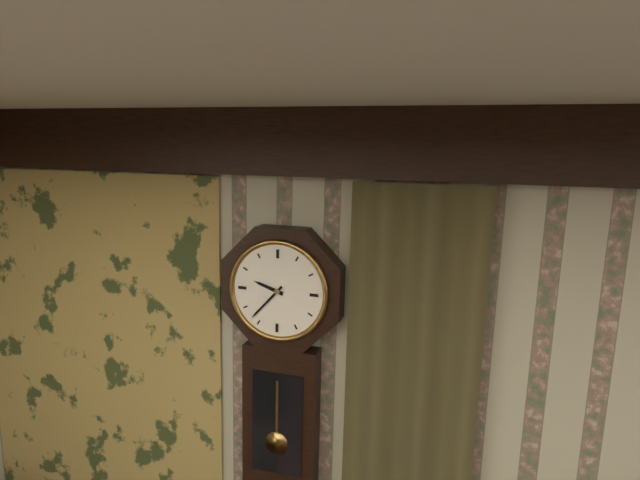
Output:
9:37
